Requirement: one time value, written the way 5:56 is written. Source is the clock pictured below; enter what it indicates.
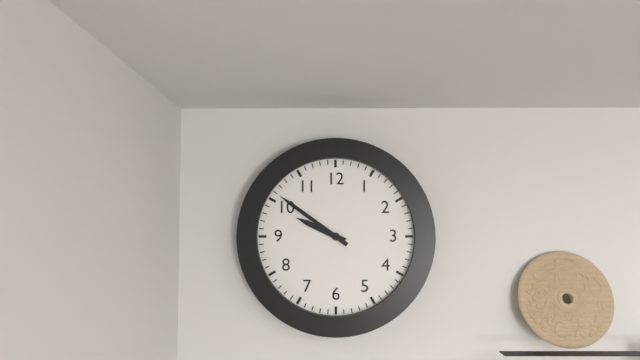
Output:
9:51
